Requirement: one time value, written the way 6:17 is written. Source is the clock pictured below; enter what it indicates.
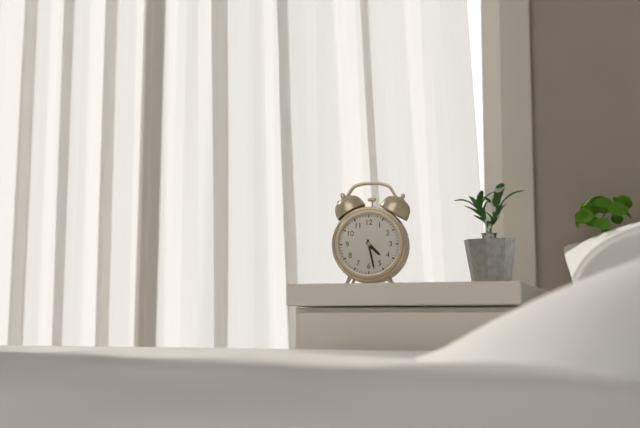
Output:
4:28
